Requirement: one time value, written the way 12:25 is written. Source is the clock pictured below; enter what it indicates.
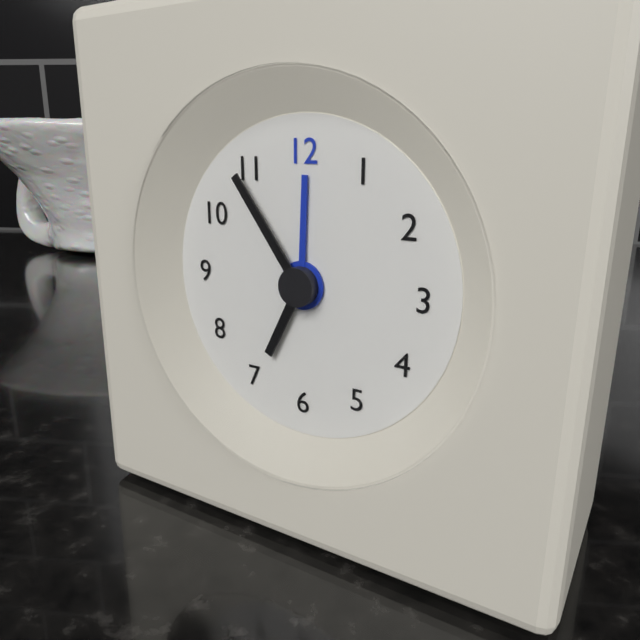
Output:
6:54
